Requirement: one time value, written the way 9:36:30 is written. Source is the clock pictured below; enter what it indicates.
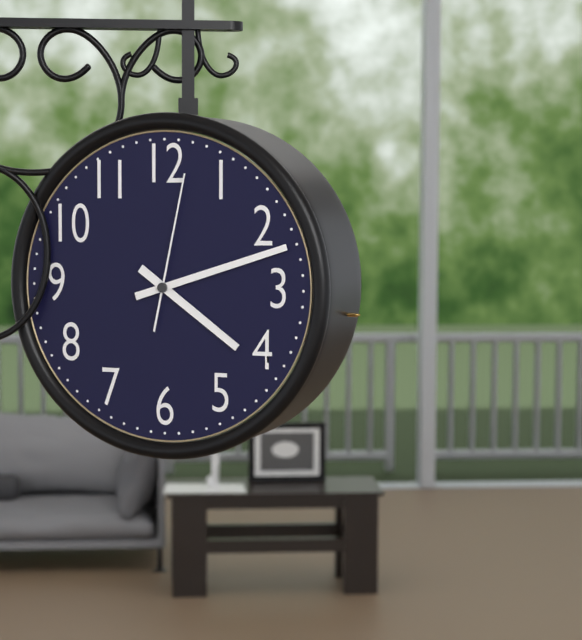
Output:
4:12:02
